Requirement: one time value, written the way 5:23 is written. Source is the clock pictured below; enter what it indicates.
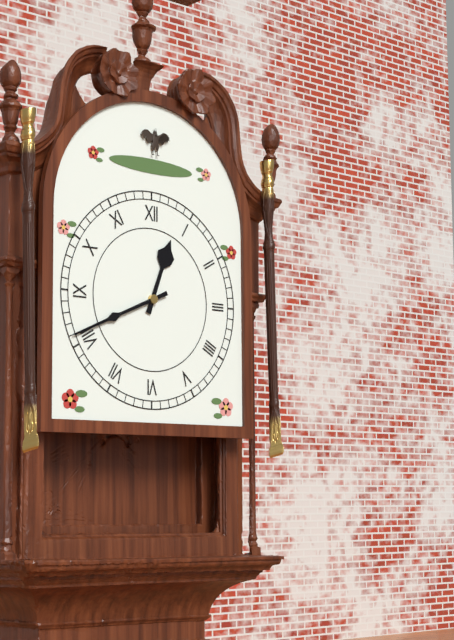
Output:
12:41
